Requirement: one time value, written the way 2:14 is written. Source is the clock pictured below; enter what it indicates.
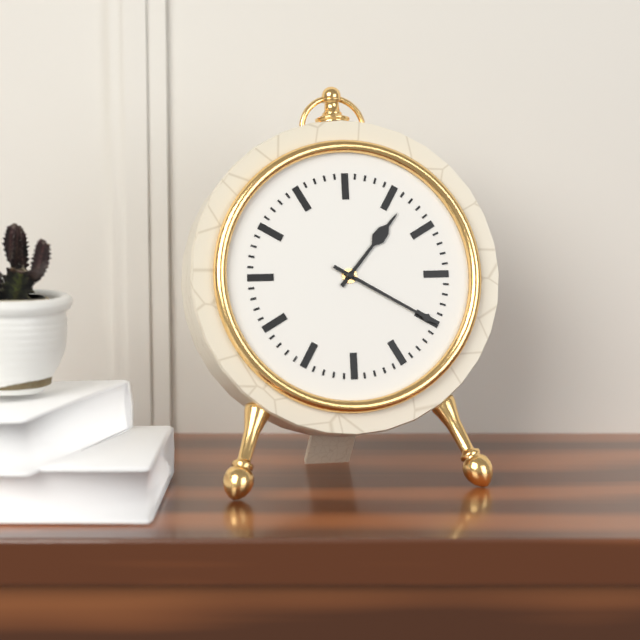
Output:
1:20
